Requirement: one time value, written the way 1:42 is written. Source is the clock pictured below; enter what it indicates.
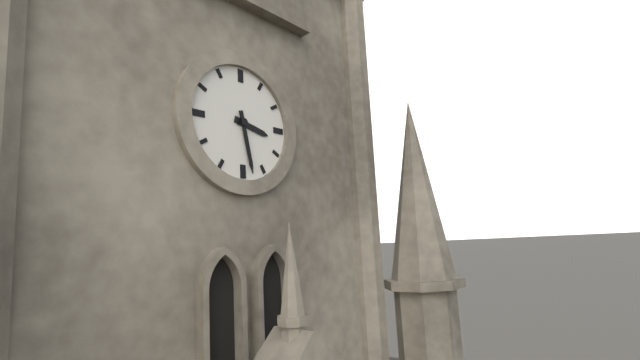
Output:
3:28
